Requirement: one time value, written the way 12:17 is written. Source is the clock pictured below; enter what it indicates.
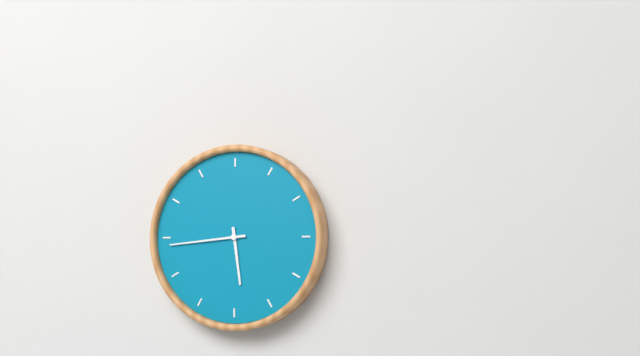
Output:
5:44
